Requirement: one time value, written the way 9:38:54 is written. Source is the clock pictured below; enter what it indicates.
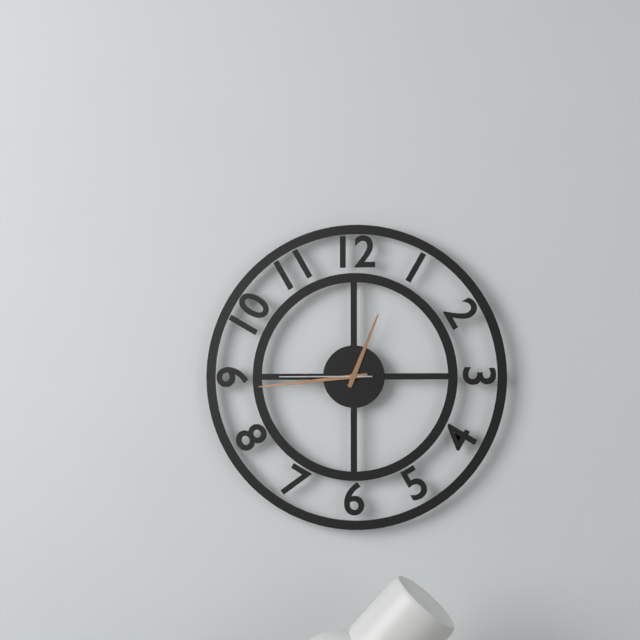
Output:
12:44:45
